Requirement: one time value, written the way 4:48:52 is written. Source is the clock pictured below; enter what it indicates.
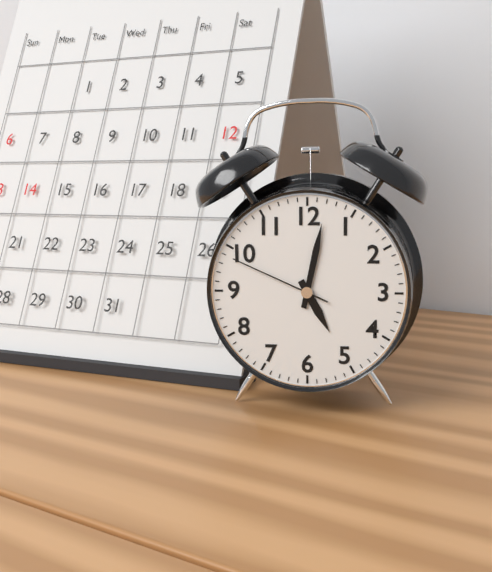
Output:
5:02:49
